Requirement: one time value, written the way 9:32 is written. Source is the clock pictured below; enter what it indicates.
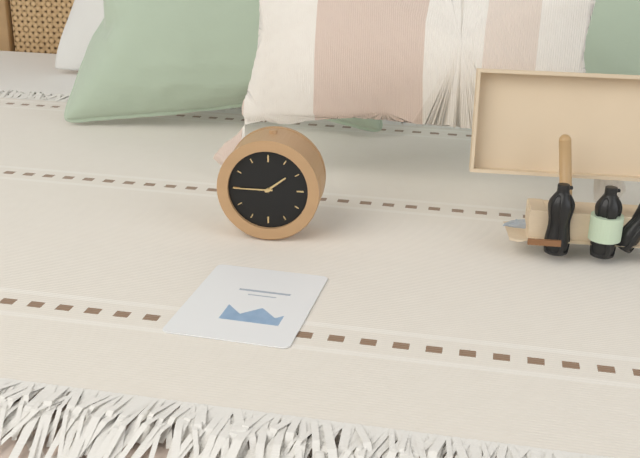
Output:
1:45
